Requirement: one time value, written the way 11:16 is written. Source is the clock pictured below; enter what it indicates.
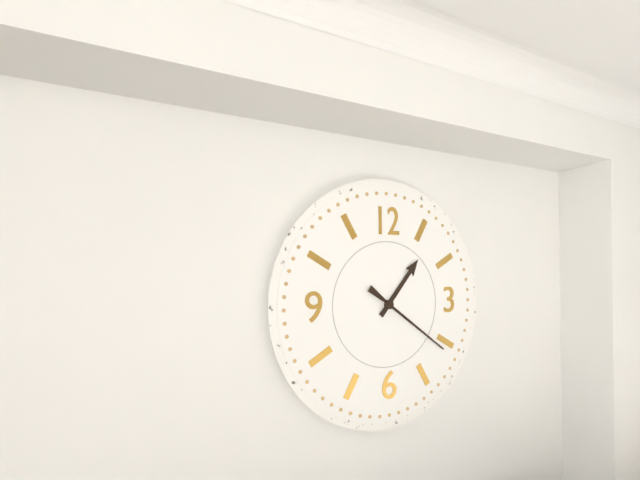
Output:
1:21
